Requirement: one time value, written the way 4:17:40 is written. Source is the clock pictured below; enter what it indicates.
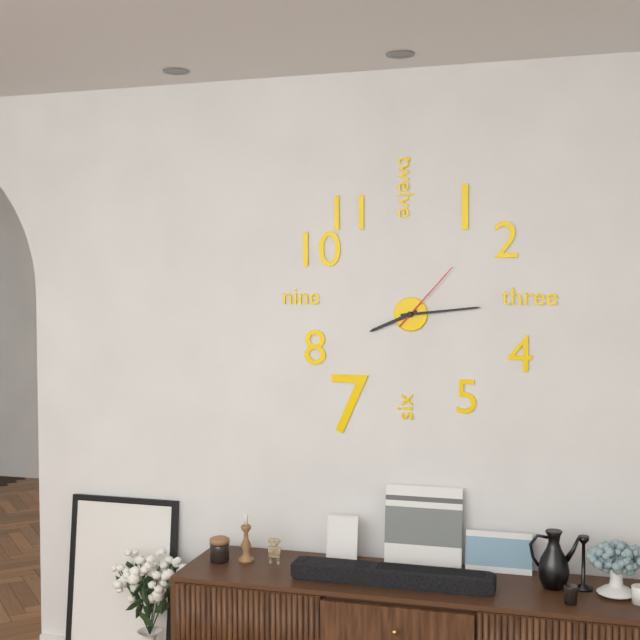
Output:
8:14:07
